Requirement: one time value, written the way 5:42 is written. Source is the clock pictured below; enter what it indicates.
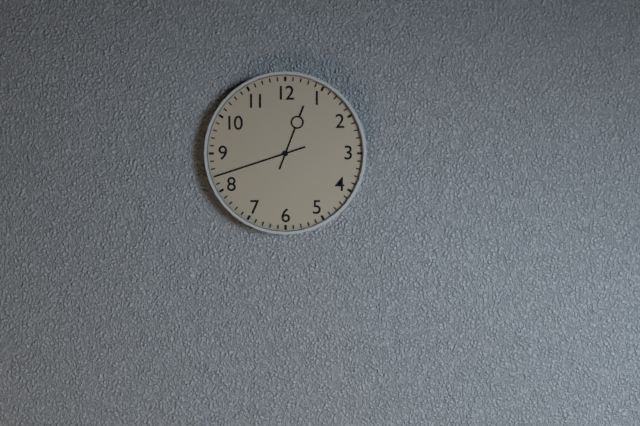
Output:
12:42
